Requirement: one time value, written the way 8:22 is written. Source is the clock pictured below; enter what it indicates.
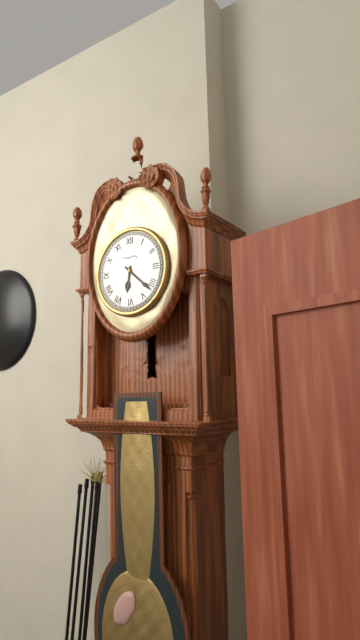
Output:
6:22
